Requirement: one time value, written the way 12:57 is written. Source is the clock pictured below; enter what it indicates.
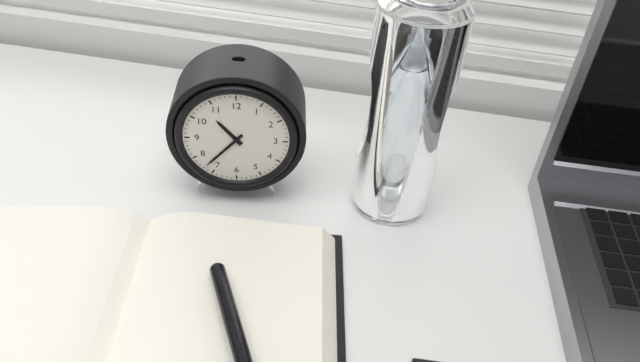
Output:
10:37
